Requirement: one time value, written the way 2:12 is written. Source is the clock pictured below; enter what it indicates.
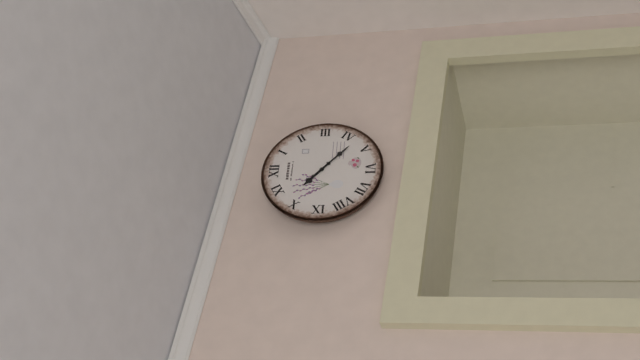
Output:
10:22
